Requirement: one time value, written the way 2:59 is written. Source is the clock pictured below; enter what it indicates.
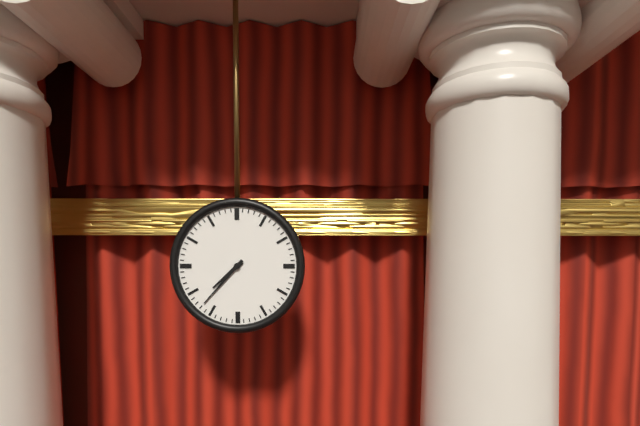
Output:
7:37
